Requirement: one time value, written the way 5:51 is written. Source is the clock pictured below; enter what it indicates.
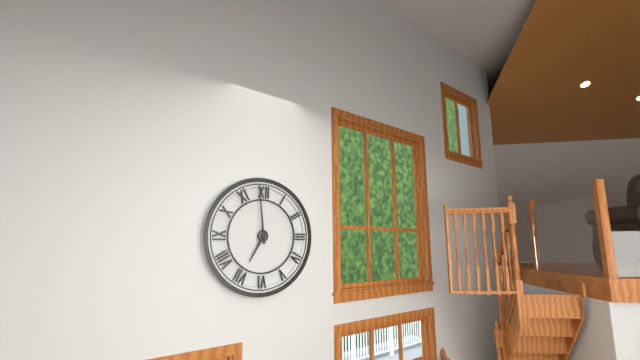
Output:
6:59
